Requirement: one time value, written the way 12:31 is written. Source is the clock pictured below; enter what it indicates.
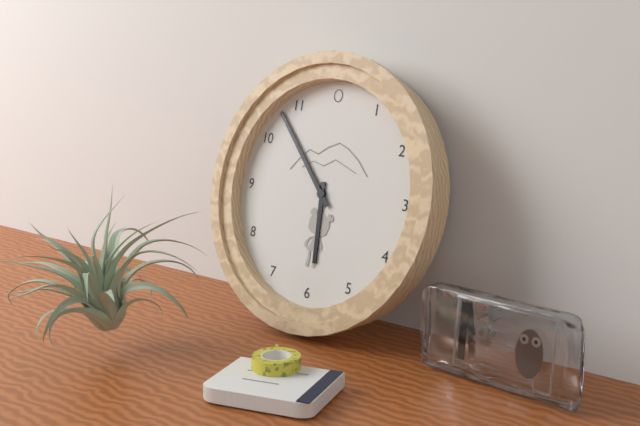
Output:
5:53
